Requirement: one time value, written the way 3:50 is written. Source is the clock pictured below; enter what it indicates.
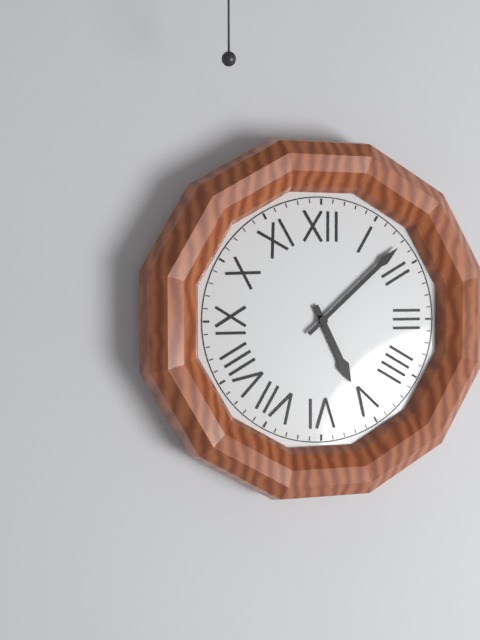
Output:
5:08
